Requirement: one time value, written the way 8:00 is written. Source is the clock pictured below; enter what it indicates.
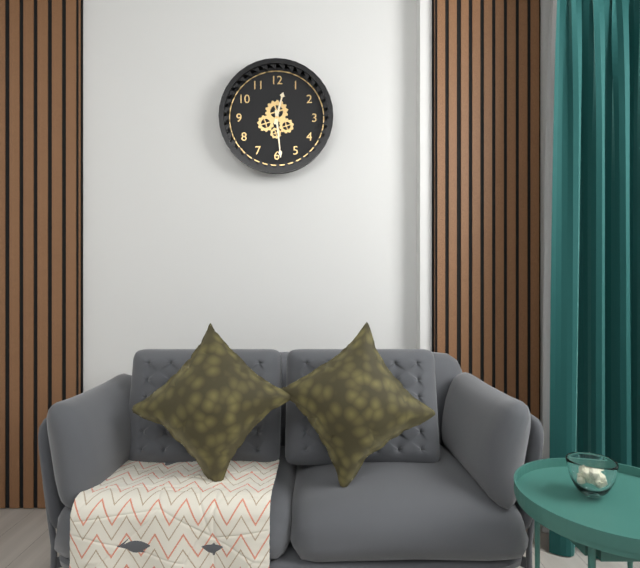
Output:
12:29
